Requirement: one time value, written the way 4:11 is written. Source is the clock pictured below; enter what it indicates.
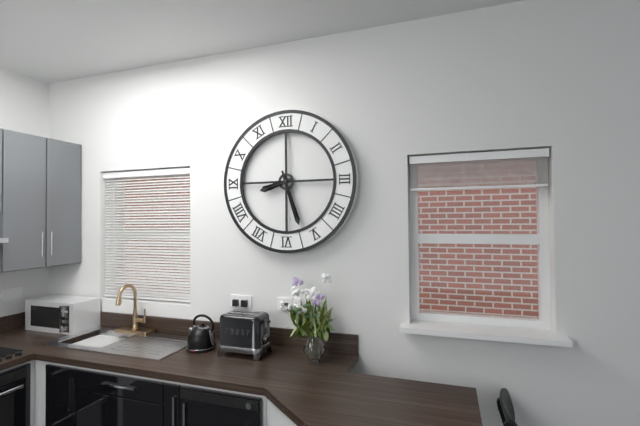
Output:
8:27
